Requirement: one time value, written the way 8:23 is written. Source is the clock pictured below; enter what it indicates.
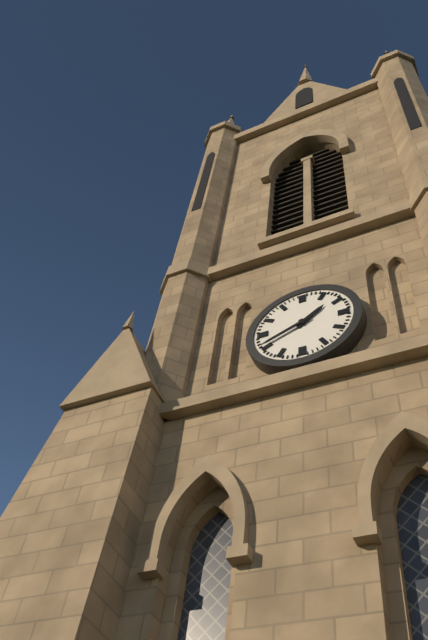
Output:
1:41
